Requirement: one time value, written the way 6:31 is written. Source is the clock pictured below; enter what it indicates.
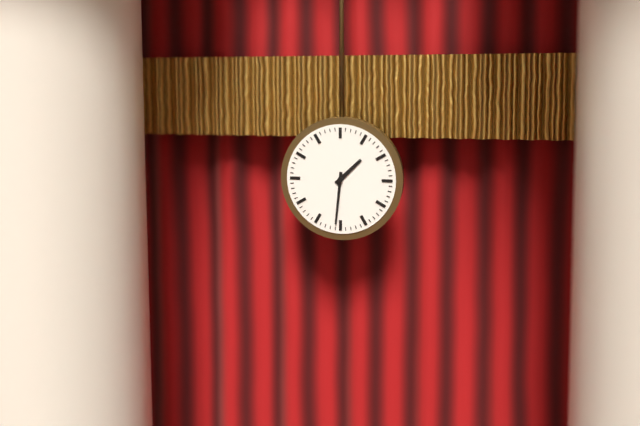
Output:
1:31
